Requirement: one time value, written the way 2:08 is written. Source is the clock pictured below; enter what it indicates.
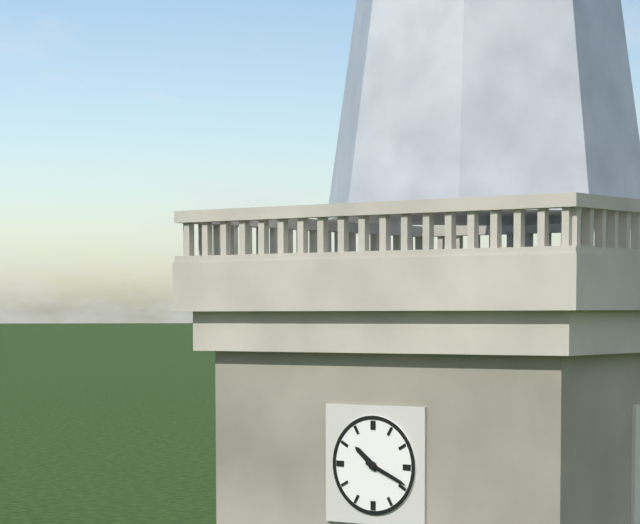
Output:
10:19
